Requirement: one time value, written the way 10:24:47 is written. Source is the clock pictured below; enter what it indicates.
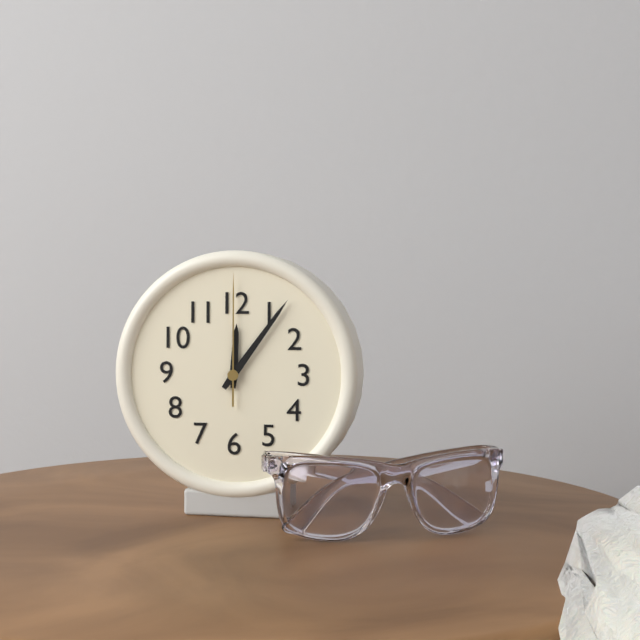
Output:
12:06:00
